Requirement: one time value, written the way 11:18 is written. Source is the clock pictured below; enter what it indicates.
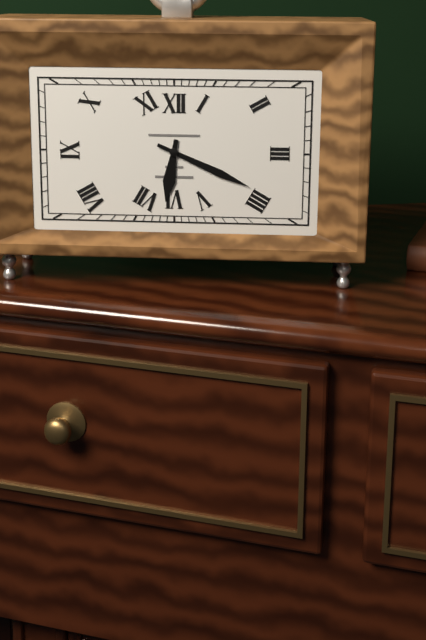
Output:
6:19
